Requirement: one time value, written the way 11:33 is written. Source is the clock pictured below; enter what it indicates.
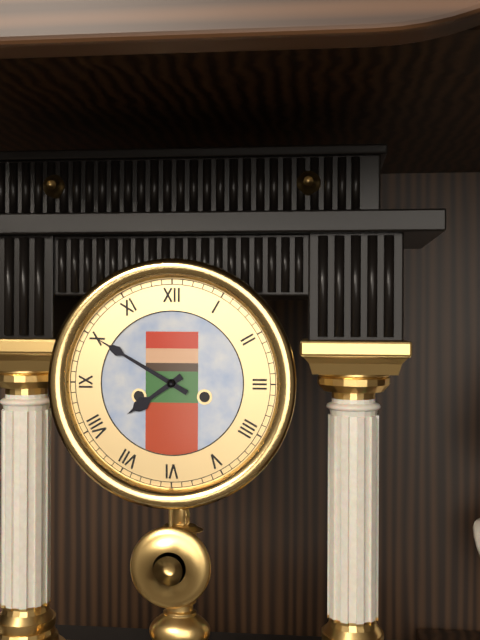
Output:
7:50
